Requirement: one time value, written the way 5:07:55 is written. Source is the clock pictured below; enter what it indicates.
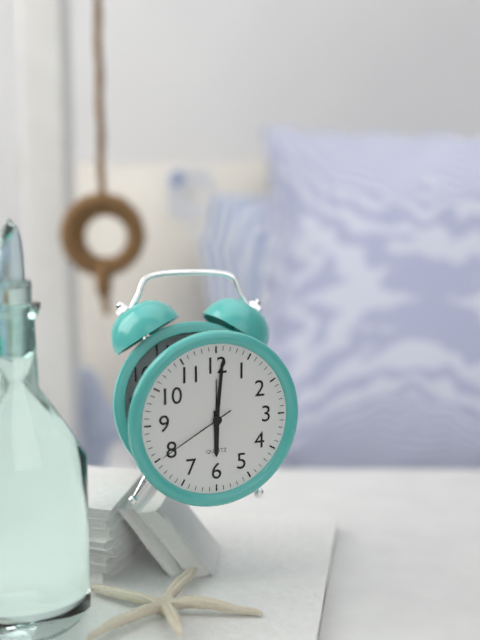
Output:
6:01:40
